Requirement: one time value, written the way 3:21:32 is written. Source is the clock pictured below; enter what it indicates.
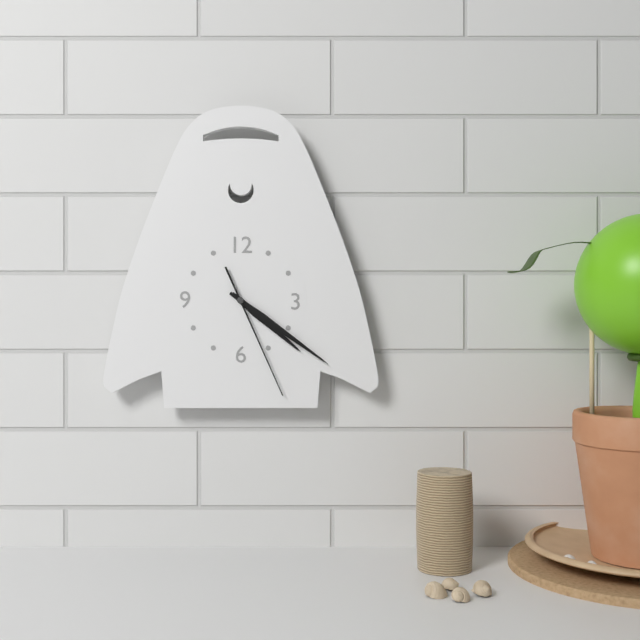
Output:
4:21:26
